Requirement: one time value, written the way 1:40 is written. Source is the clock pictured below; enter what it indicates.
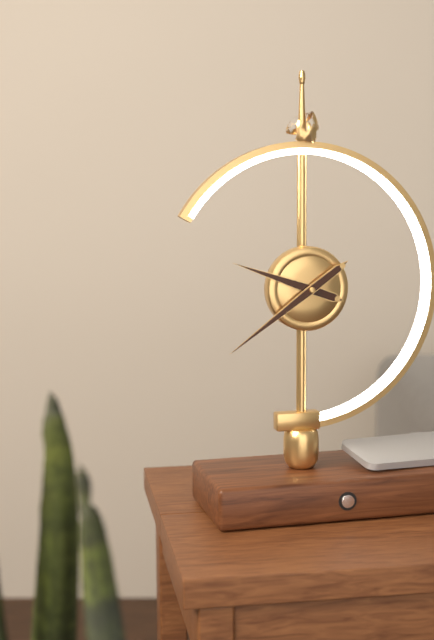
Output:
9:39
